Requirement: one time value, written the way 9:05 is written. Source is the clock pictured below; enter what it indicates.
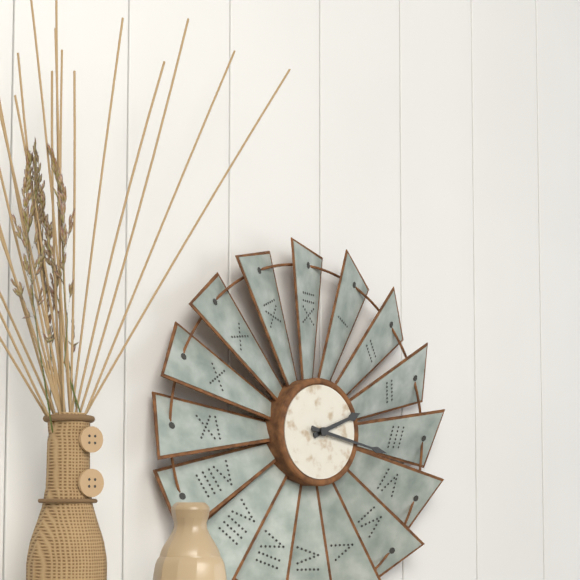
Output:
2:17
